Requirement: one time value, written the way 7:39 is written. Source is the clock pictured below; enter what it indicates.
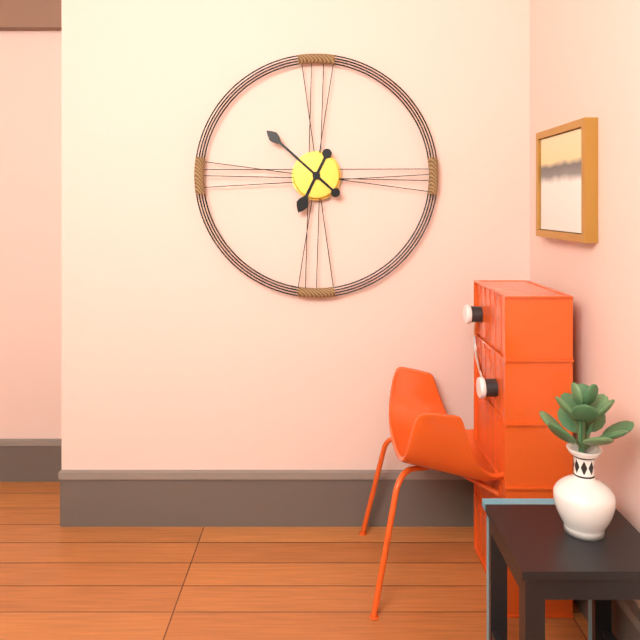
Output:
6:52
